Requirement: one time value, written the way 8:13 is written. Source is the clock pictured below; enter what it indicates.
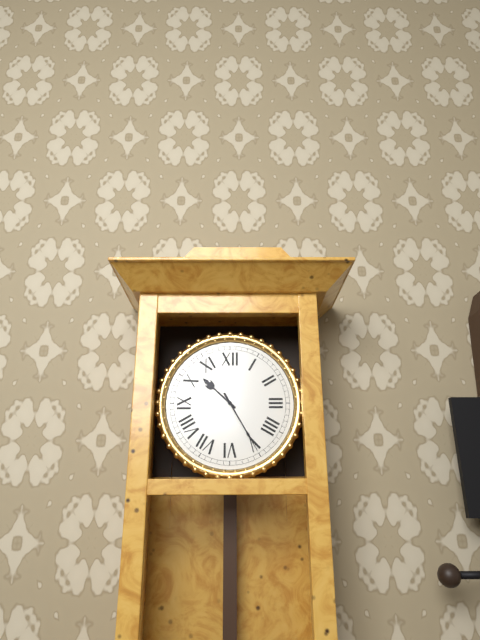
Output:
10:25
